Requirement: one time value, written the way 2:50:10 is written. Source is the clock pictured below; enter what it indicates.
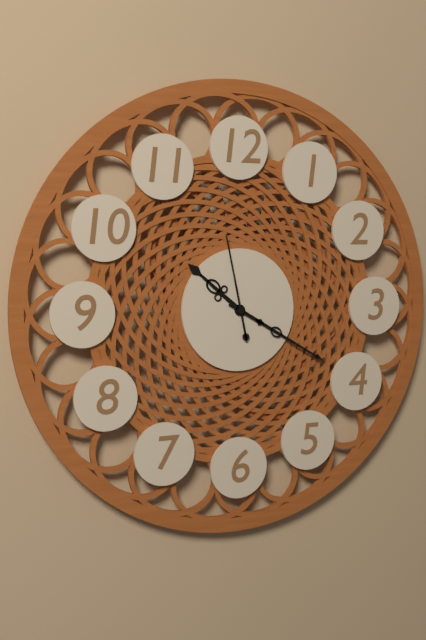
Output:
10:20:58
